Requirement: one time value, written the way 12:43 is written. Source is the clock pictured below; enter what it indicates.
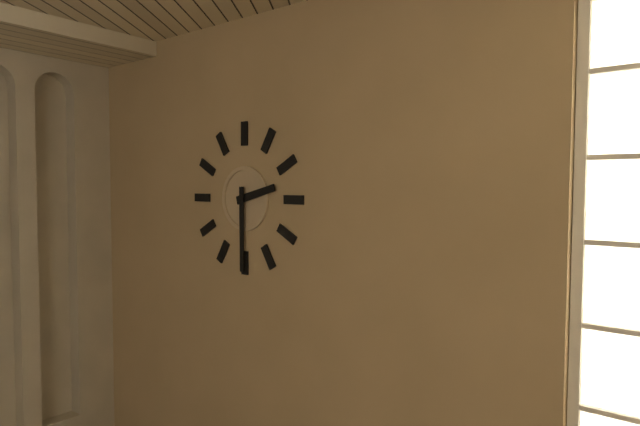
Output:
2:30
